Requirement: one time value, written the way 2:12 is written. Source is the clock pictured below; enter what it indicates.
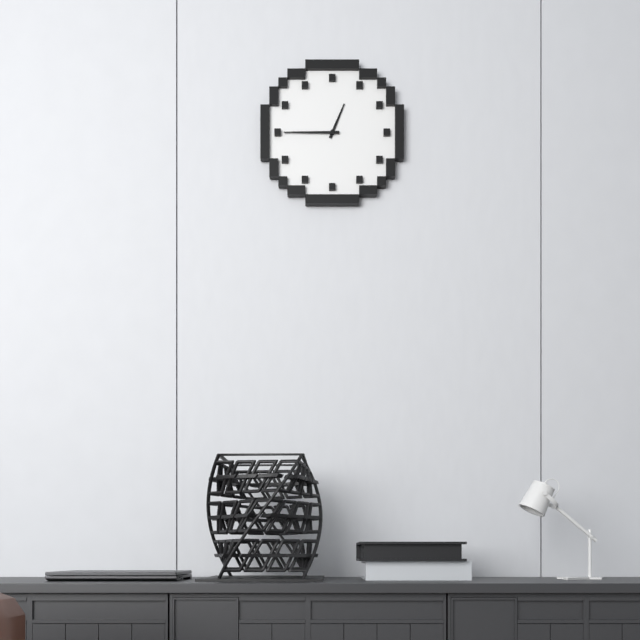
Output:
12:45
